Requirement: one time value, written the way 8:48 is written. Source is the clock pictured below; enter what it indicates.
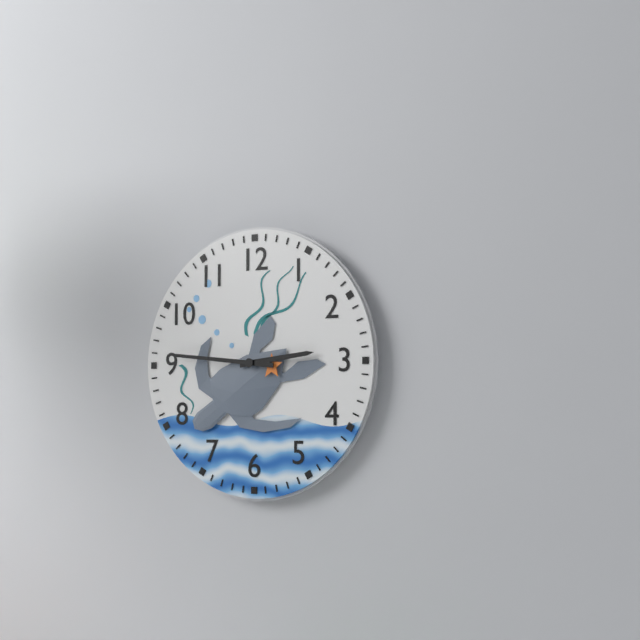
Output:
2:46
